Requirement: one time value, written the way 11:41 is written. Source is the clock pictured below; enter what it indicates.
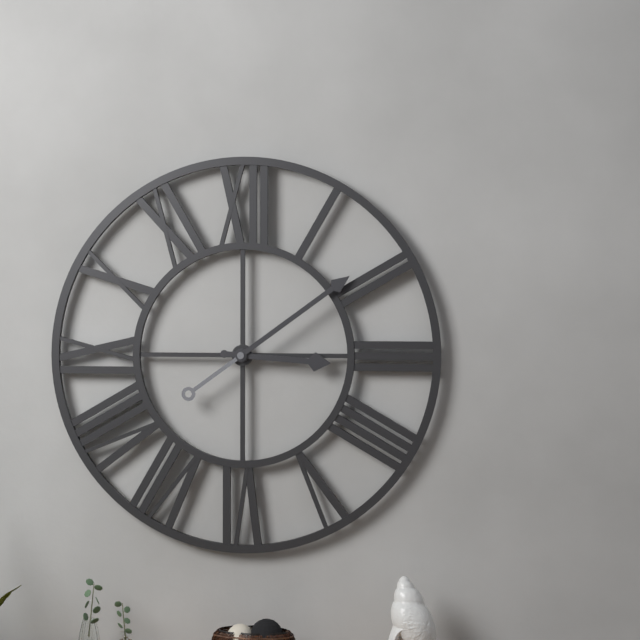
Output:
3:09
